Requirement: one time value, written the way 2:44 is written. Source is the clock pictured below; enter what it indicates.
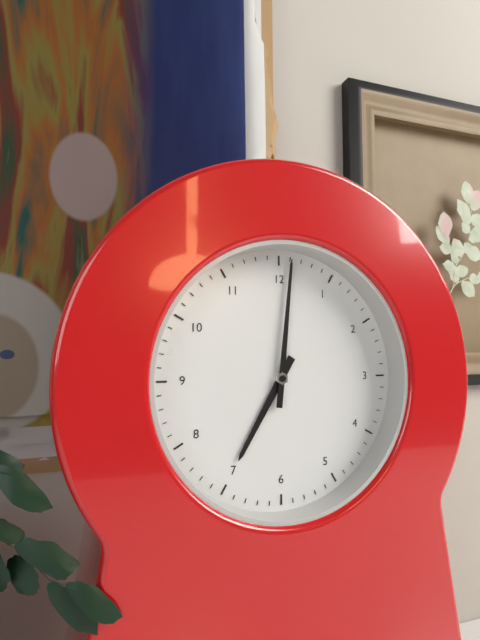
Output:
7:01
